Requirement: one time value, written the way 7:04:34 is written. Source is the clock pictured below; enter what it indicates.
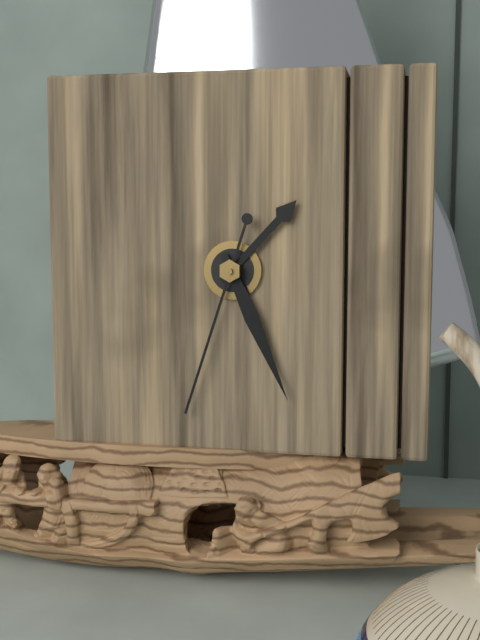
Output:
1:26:33
